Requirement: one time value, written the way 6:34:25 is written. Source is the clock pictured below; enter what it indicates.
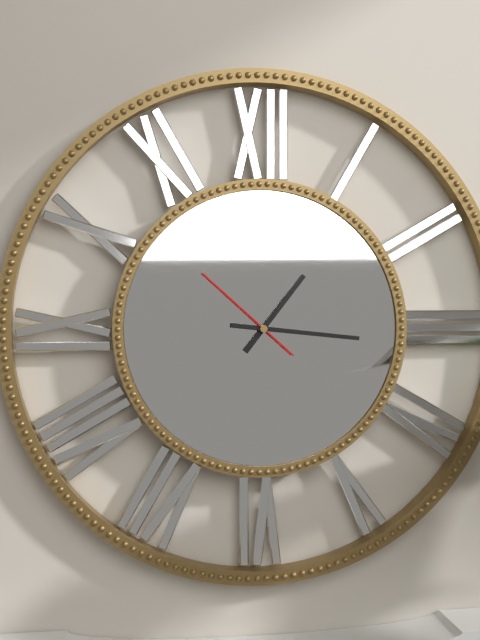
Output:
1:16:52
